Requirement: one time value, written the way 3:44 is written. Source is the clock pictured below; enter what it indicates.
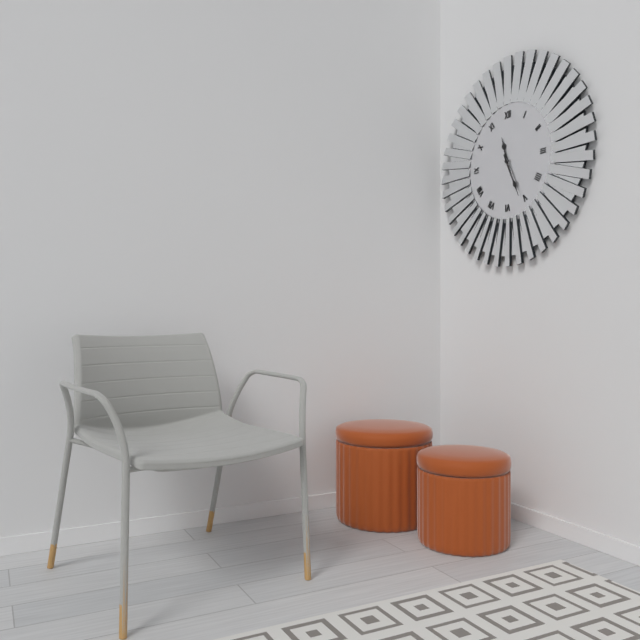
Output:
11:26
